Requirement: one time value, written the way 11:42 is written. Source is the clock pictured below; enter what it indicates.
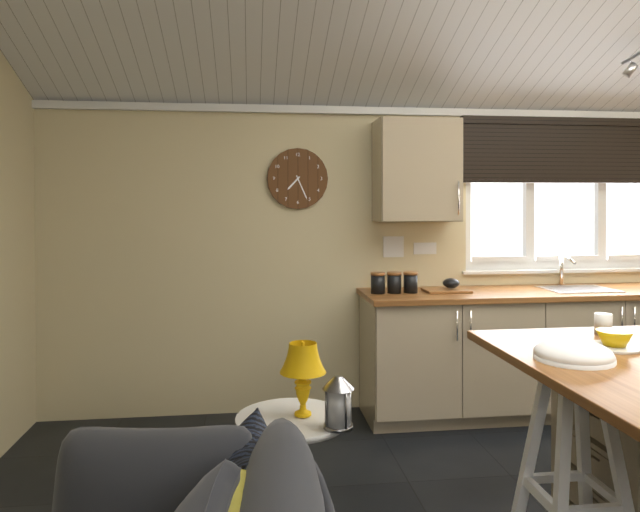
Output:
7:26
